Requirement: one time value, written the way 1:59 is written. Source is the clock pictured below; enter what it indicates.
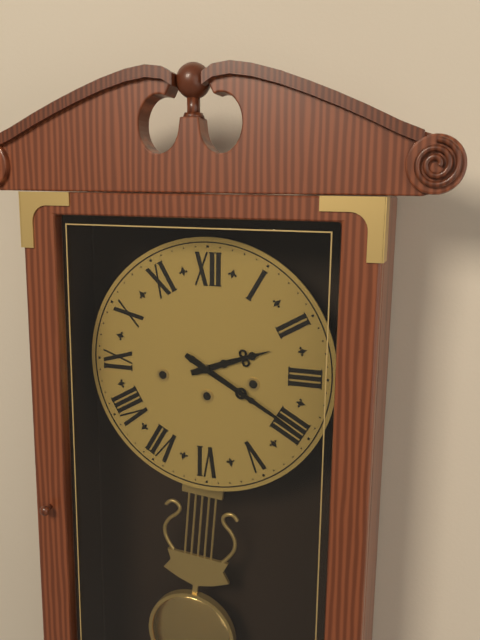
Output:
2:20
